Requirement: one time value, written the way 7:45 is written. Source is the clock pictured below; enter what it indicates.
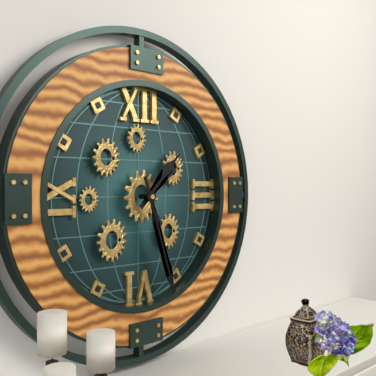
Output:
1:27
